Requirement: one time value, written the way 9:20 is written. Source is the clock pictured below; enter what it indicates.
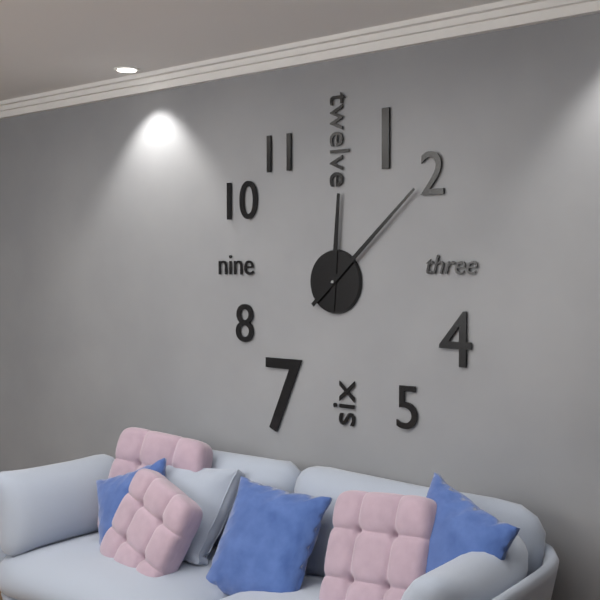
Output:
12:08
